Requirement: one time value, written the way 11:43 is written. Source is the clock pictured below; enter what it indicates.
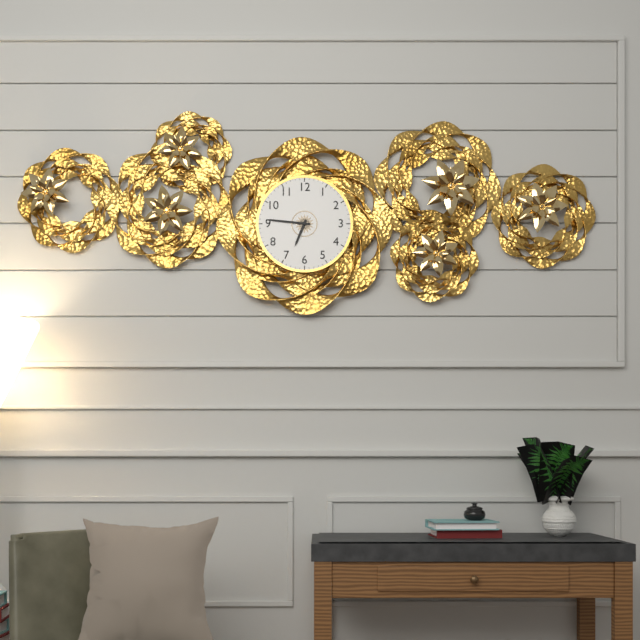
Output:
6:46
